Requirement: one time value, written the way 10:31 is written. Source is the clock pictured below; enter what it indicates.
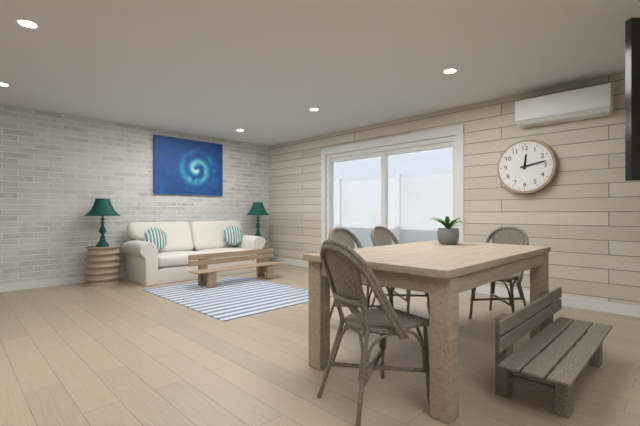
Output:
12:13
